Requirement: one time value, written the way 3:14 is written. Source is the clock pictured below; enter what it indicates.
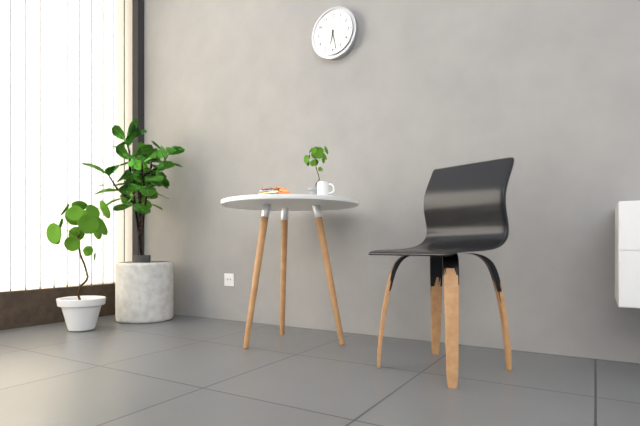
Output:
6:28
